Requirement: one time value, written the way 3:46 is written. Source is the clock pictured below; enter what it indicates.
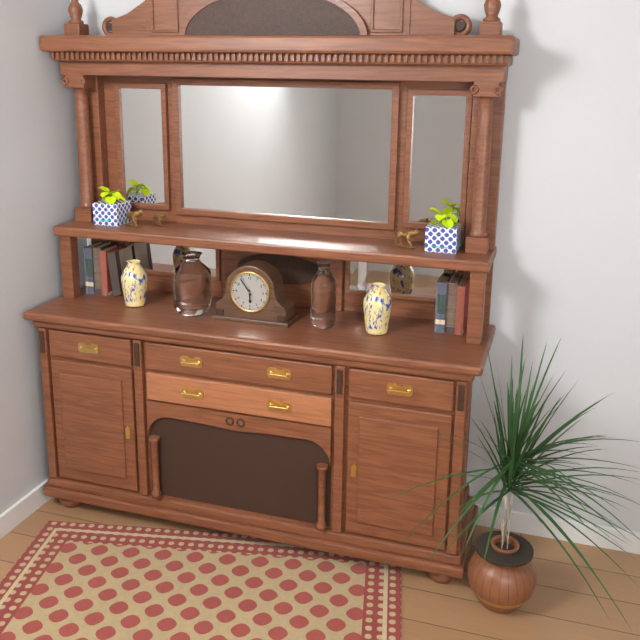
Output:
5:54
